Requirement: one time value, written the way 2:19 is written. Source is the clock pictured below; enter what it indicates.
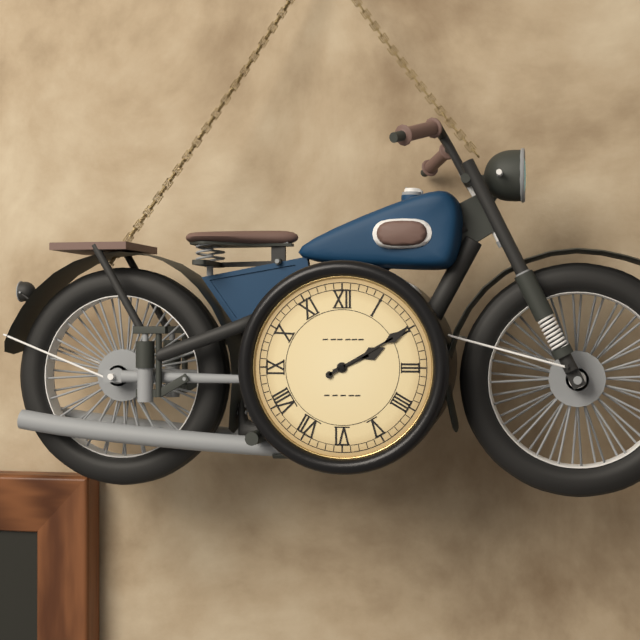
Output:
2:10
